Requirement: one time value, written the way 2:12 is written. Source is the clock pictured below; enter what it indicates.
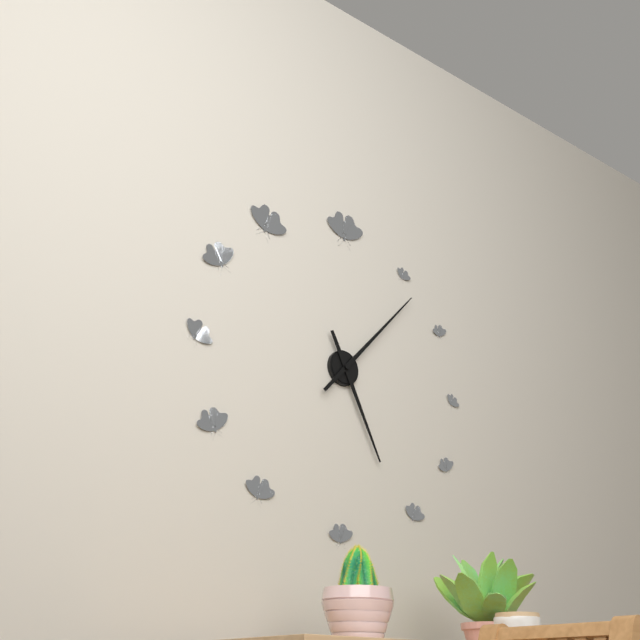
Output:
5:07
